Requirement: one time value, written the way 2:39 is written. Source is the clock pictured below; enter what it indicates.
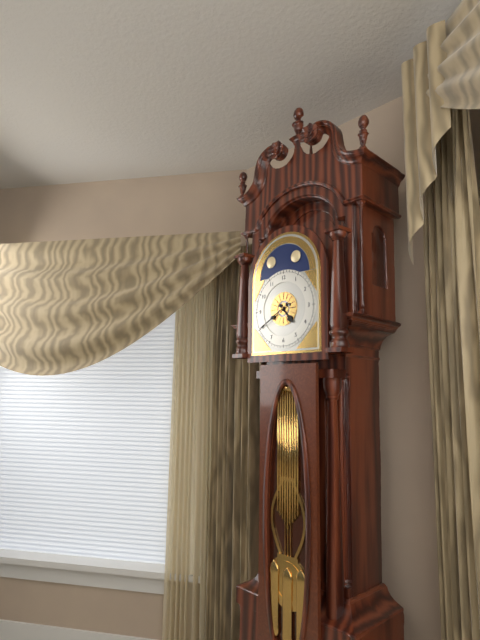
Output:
4:40
